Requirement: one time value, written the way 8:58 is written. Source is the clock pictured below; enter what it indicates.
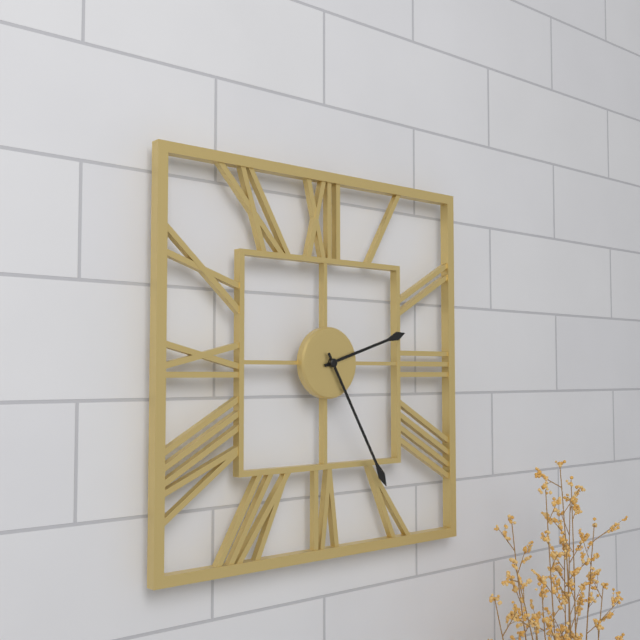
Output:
2:25
